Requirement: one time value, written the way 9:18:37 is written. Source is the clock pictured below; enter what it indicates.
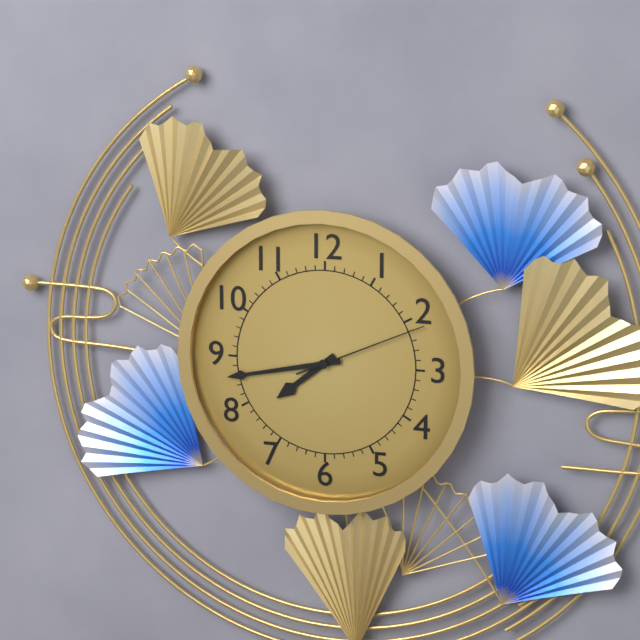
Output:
7:43:11
